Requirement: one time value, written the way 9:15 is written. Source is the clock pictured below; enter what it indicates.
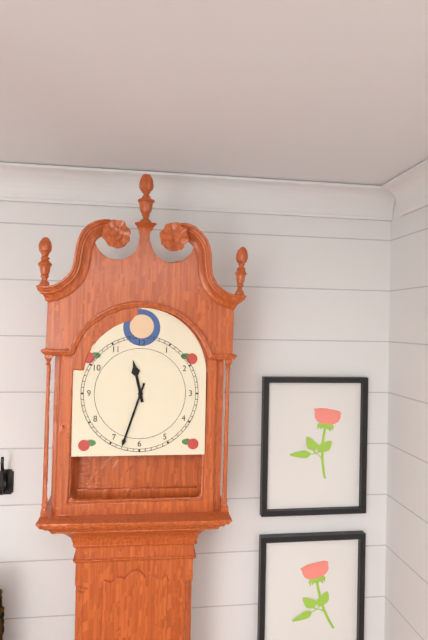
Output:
11:33
